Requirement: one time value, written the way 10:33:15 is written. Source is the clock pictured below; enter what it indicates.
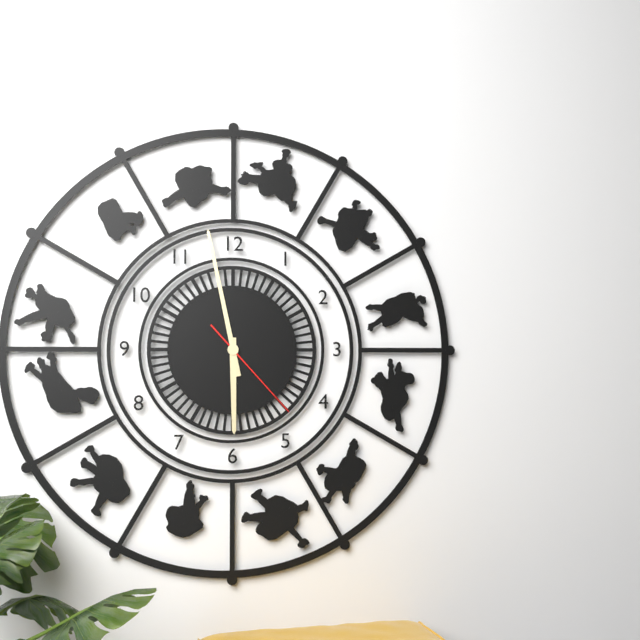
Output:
5:58:23
